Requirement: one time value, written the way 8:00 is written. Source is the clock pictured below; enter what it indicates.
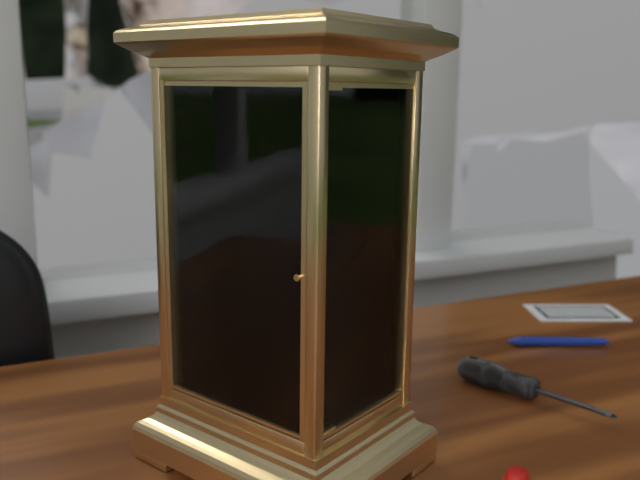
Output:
9:10
